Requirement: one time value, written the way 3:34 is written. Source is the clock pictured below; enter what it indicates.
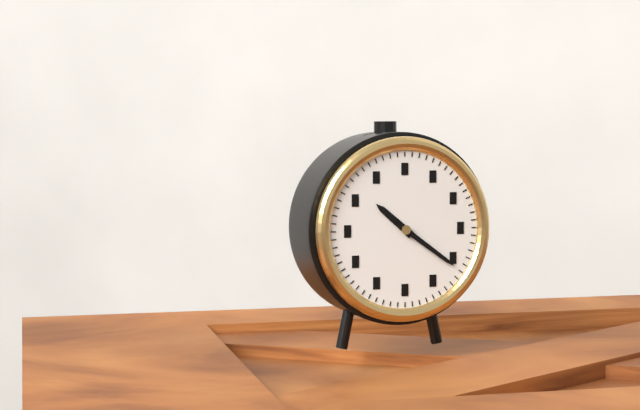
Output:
10:21
